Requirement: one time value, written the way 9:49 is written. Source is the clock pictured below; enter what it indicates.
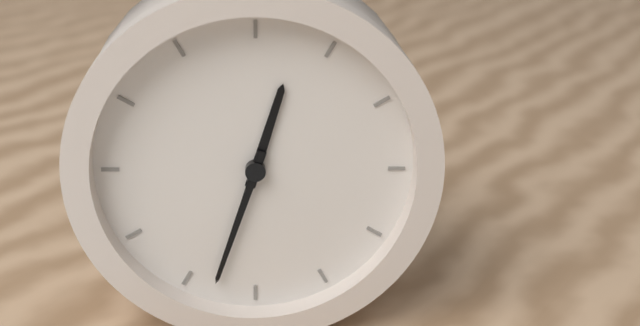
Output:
12:33
